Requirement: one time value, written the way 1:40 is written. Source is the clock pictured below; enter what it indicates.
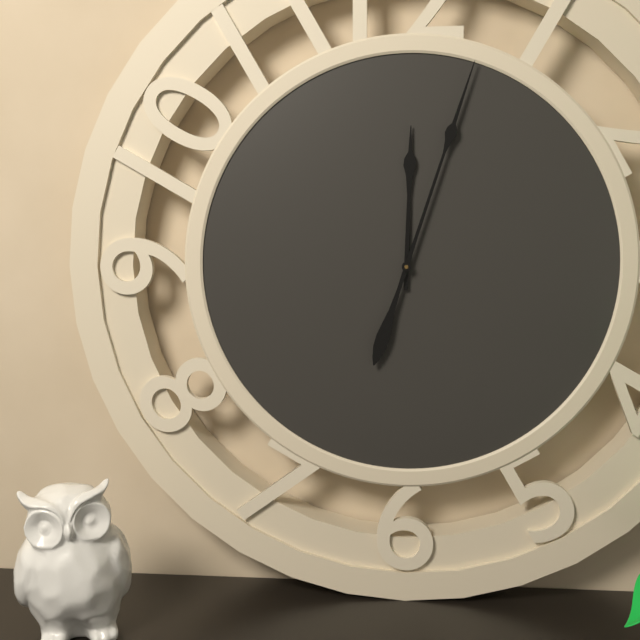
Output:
12:03
